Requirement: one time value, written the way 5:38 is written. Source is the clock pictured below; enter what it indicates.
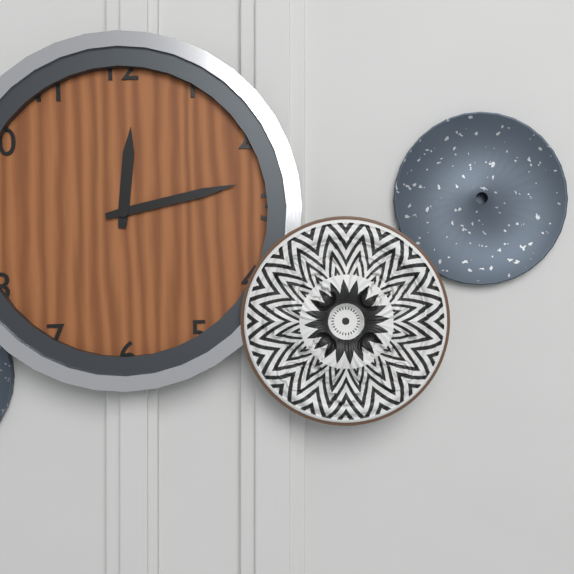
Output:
12:13
